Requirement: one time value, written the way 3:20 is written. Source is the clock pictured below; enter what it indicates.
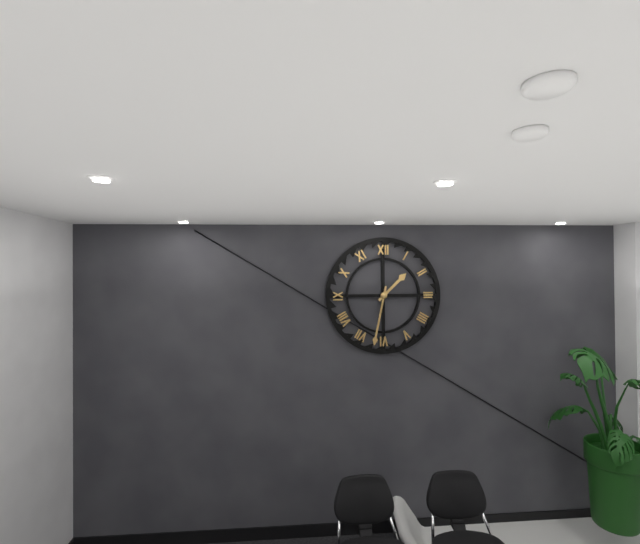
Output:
1:32
